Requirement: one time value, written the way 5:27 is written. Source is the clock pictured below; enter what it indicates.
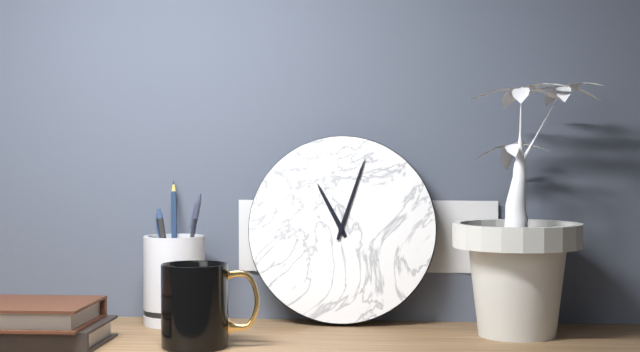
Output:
11:03
